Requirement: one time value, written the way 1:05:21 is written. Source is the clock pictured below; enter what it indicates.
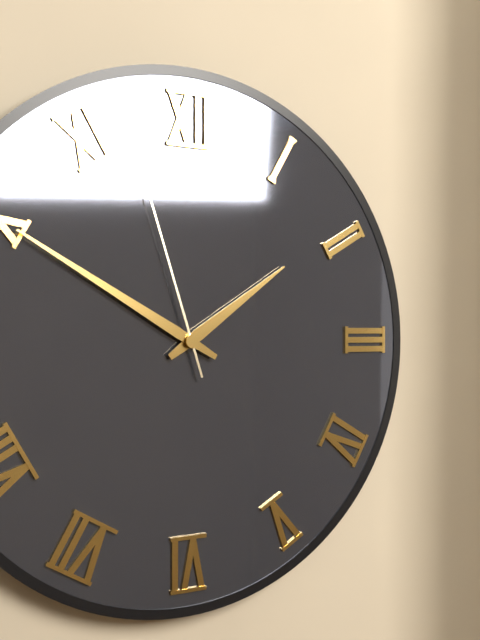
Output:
1:50:57
